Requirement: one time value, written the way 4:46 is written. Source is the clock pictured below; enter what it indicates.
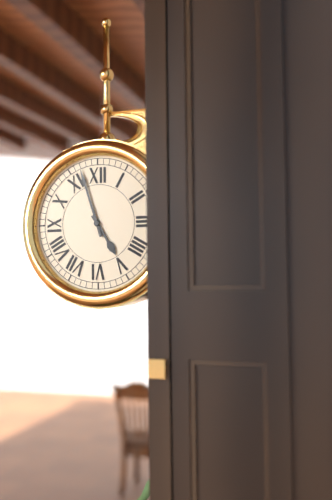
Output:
4:57
